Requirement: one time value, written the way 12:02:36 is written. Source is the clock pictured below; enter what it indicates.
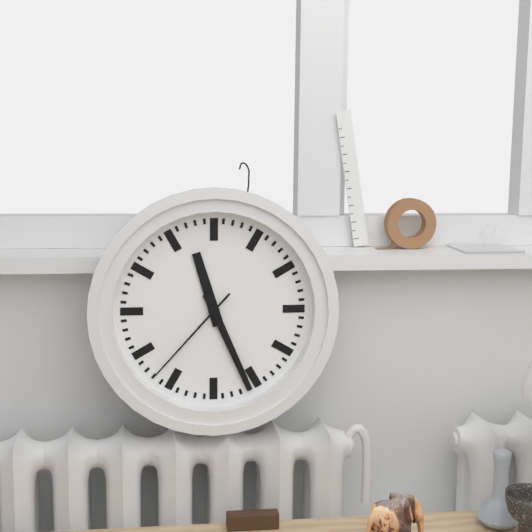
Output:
11:26:37
